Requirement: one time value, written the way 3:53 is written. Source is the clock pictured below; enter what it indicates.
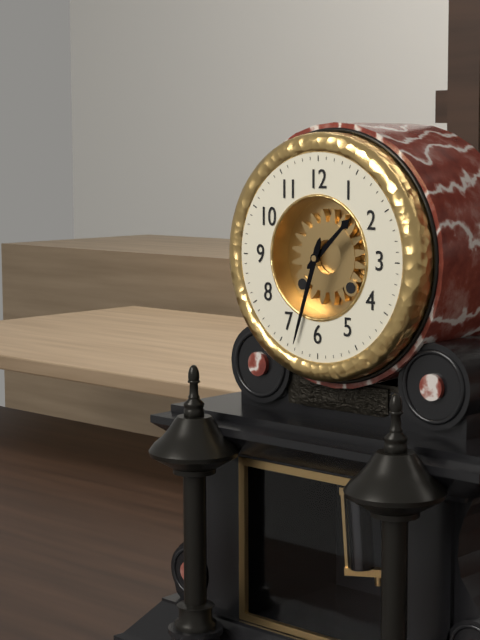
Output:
1:33
